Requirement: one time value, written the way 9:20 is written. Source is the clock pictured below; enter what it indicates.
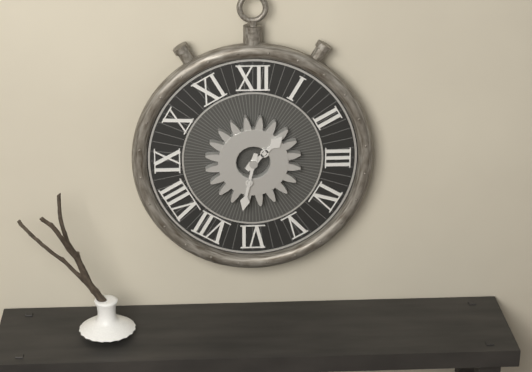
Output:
1:32
